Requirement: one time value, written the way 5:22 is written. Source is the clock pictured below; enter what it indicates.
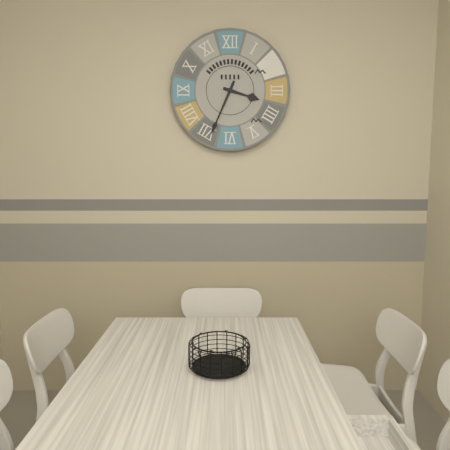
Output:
3:34
